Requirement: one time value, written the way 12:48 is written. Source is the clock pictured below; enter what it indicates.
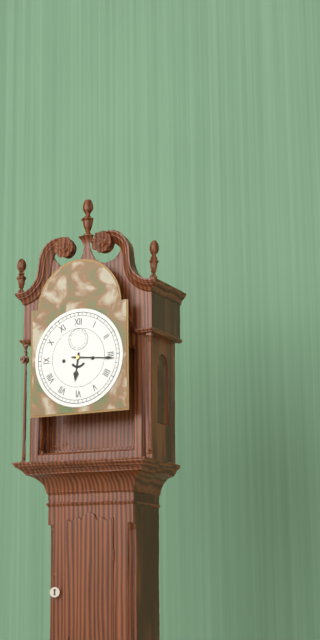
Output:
6:16
